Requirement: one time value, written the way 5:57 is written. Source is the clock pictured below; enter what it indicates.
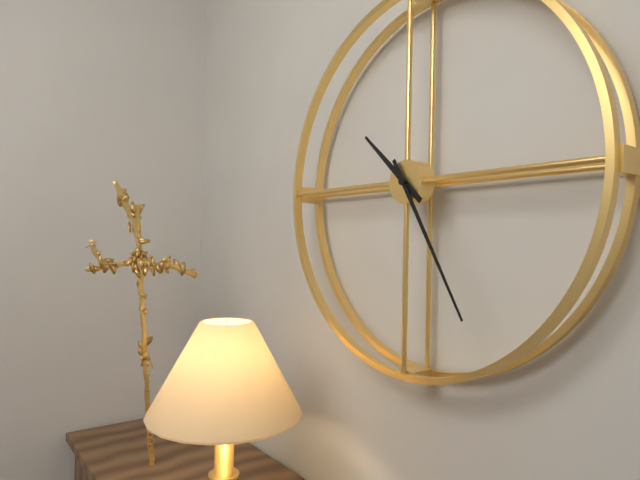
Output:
10:25
